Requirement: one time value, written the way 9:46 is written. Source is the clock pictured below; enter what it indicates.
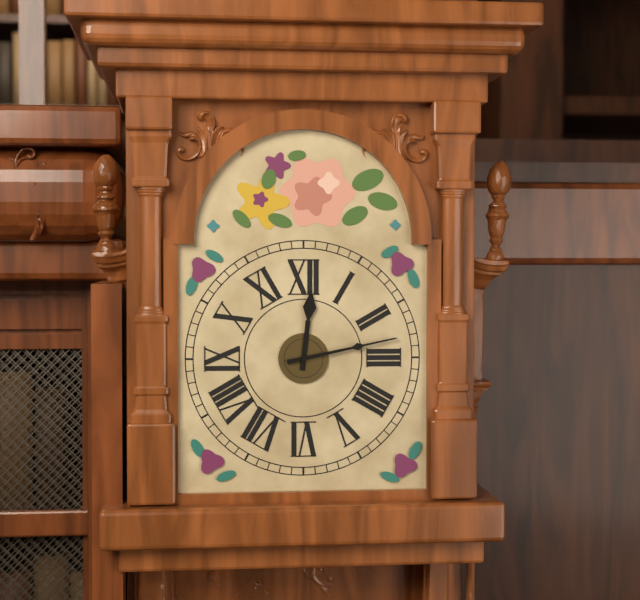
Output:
12:13
